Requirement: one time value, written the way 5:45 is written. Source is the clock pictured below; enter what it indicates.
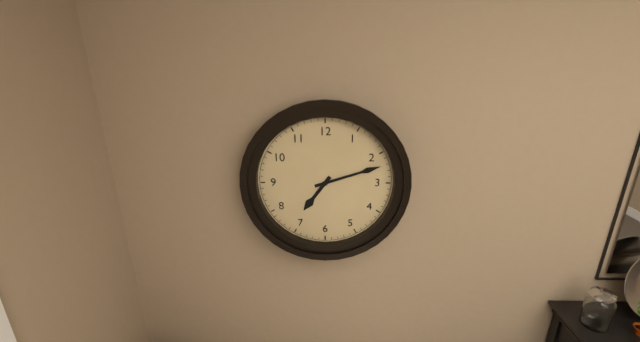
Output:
7:12
